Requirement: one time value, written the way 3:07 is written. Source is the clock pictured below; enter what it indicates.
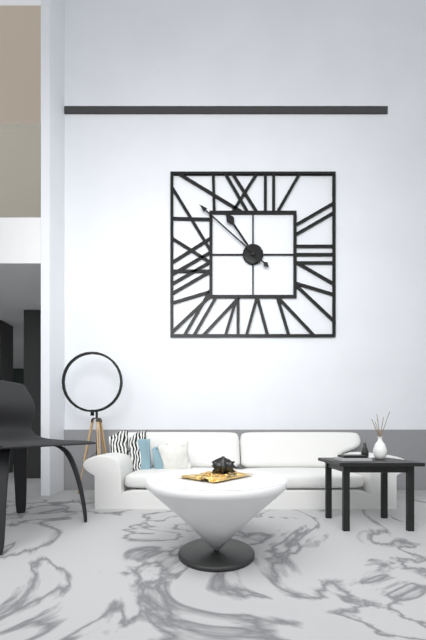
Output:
10:52
